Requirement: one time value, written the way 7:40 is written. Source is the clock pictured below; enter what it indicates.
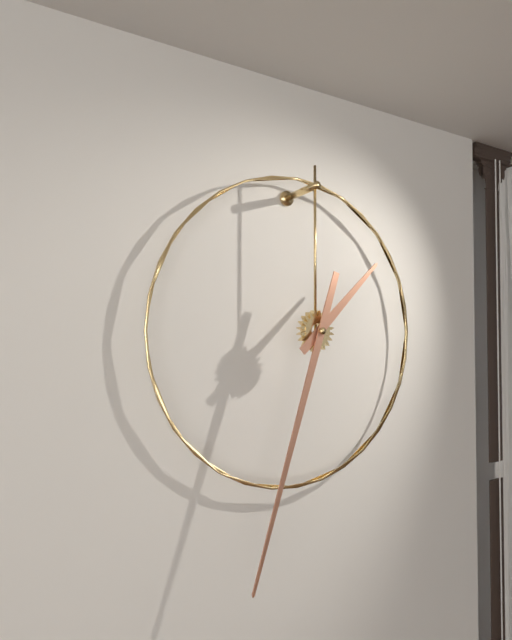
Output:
1:33
